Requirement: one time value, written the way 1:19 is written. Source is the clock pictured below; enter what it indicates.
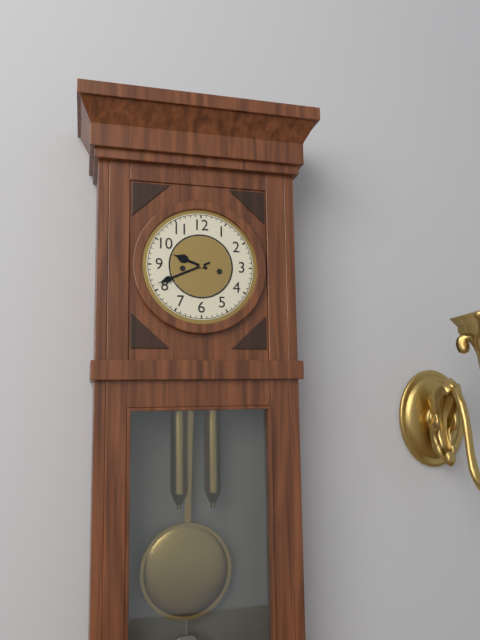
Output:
9:41
